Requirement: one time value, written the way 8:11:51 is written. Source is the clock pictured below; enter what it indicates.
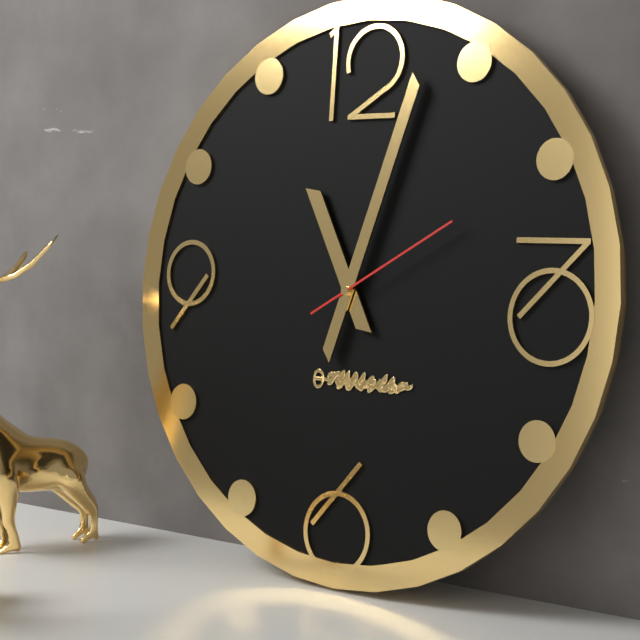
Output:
11:03:10
